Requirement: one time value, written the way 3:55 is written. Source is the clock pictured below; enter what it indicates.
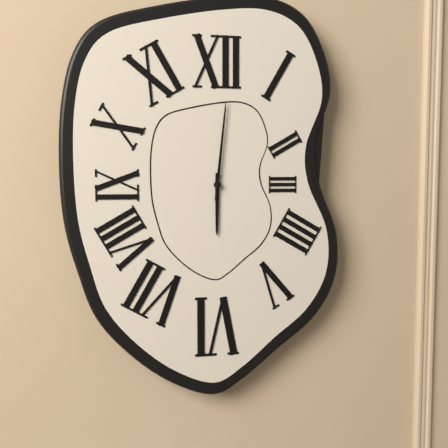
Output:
6:01
